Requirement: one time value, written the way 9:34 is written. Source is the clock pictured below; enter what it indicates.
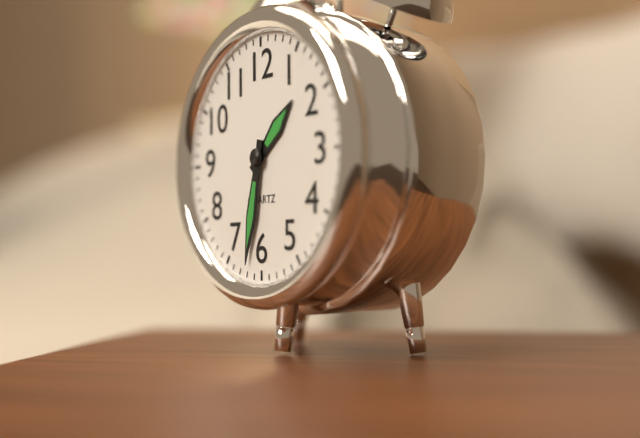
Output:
1:32
